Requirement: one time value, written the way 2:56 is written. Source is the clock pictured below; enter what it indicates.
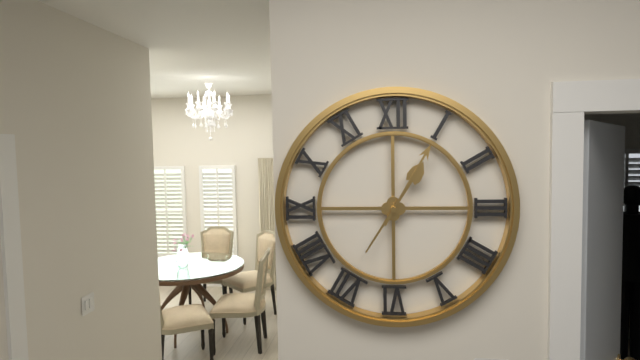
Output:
1:05
